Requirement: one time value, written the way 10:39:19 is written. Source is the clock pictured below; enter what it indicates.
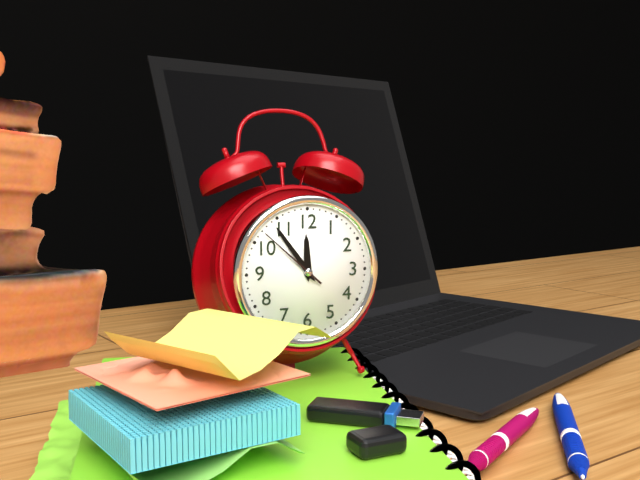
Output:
11:54:52
